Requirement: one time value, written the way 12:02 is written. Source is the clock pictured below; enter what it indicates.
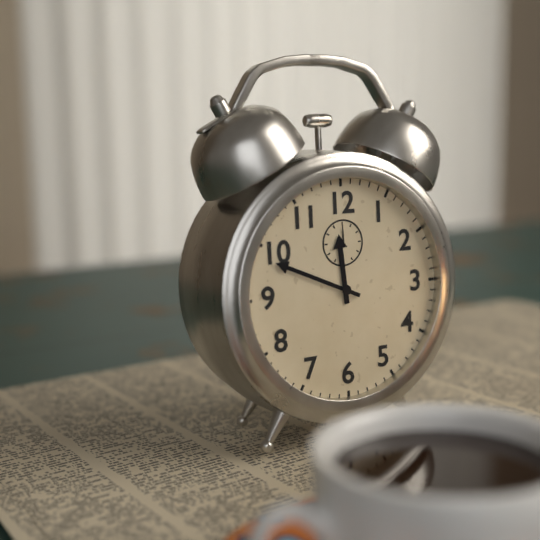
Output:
11:49
